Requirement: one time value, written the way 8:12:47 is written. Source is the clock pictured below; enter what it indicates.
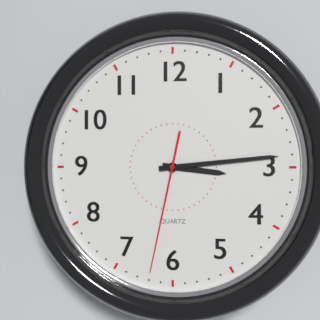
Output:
3:14:32
